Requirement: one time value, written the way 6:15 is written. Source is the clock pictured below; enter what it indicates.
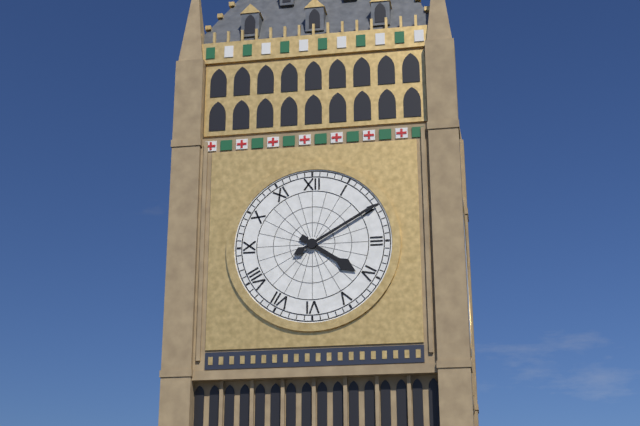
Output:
4:10
